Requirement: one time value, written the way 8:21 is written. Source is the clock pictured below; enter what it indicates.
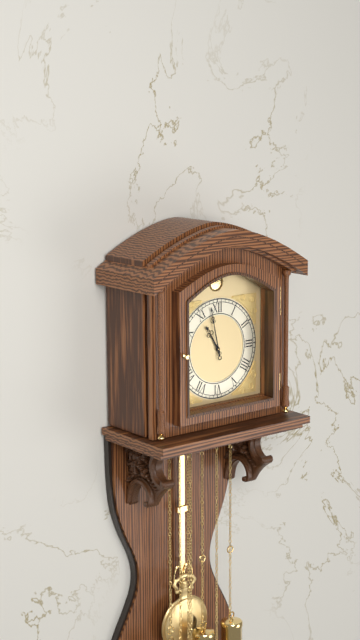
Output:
10:58
